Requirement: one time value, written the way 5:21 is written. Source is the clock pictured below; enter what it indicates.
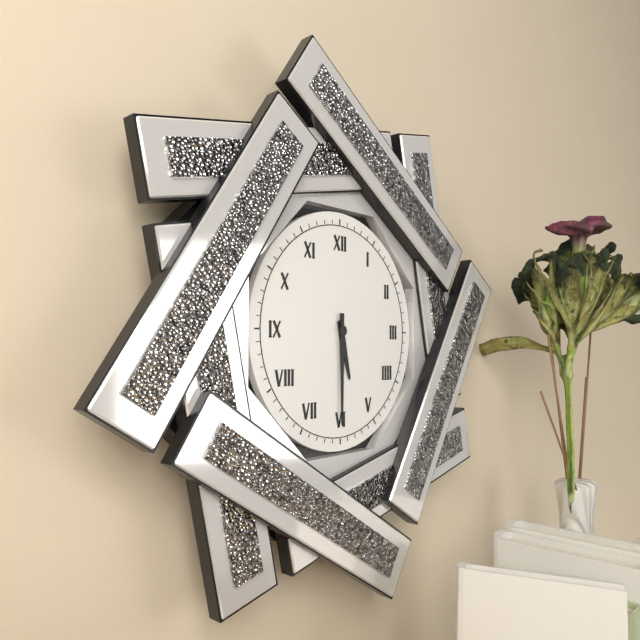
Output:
5:30
